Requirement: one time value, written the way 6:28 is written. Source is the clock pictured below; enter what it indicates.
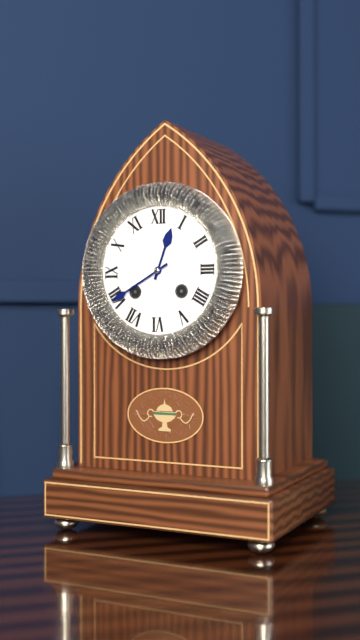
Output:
12:40
